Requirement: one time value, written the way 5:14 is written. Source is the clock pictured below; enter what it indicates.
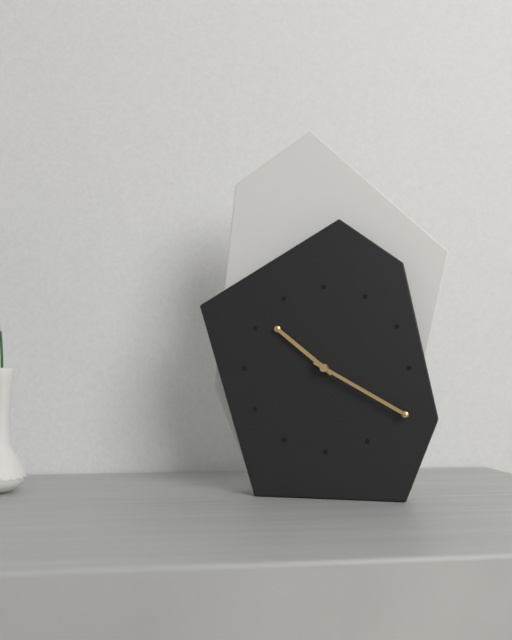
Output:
10:20
